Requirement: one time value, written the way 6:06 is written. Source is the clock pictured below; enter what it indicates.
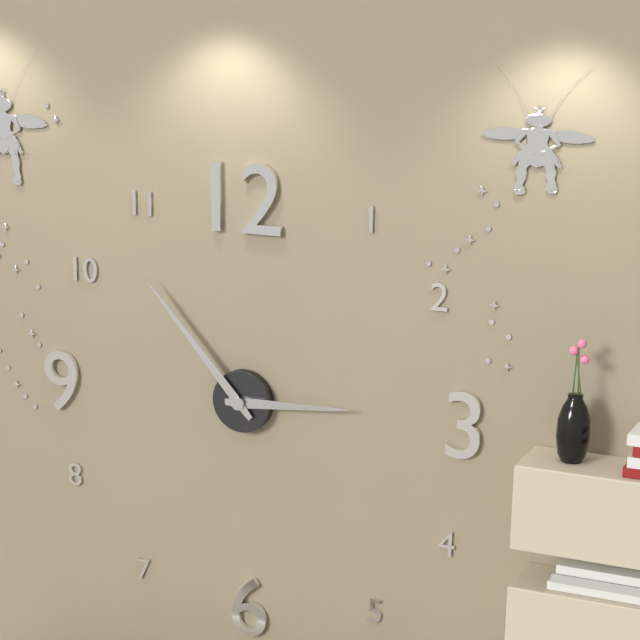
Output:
2:53
